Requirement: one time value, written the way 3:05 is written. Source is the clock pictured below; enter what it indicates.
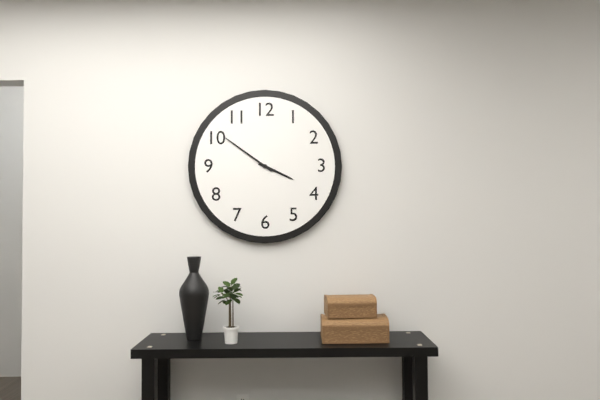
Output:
3:51
